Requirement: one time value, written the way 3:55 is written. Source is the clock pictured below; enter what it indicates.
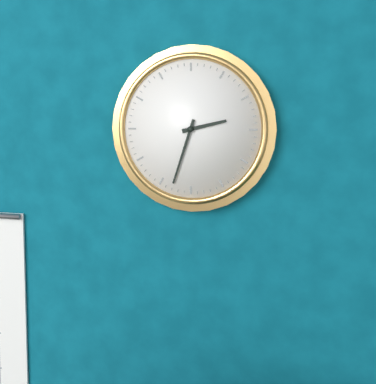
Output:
2:33
